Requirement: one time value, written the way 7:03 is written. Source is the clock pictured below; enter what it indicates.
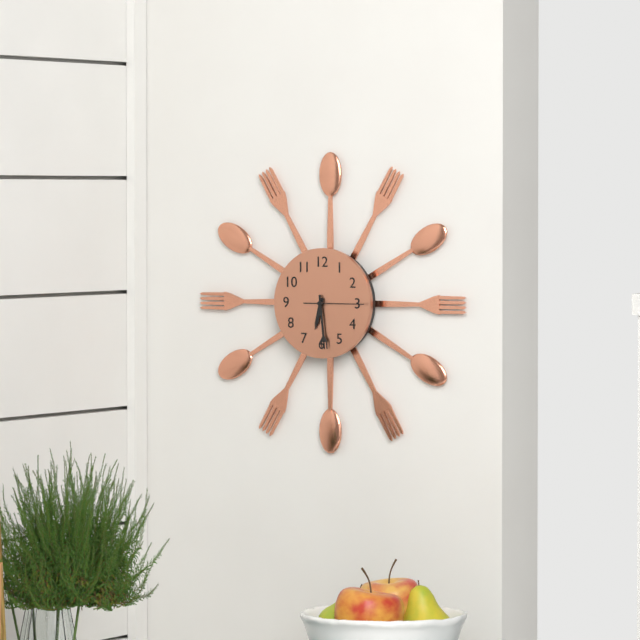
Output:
6:29
